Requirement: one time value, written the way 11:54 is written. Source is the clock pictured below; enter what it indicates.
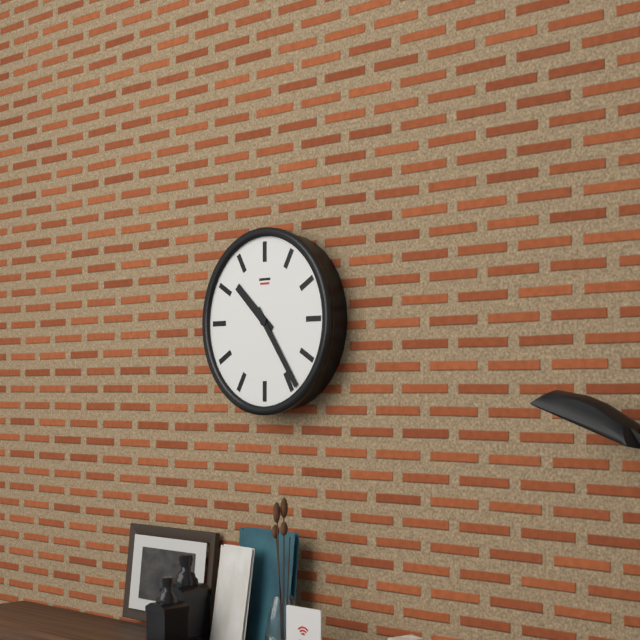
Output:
10:24
